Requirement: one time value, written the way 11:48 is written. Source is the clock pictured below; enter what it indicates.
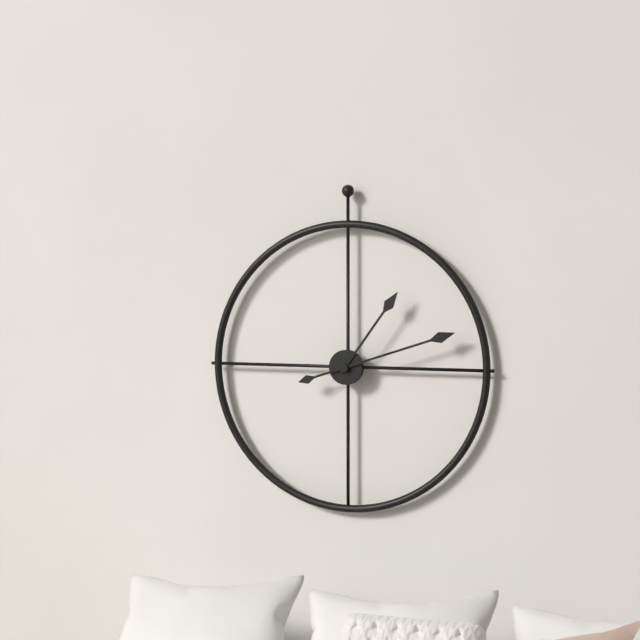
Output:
1:12
